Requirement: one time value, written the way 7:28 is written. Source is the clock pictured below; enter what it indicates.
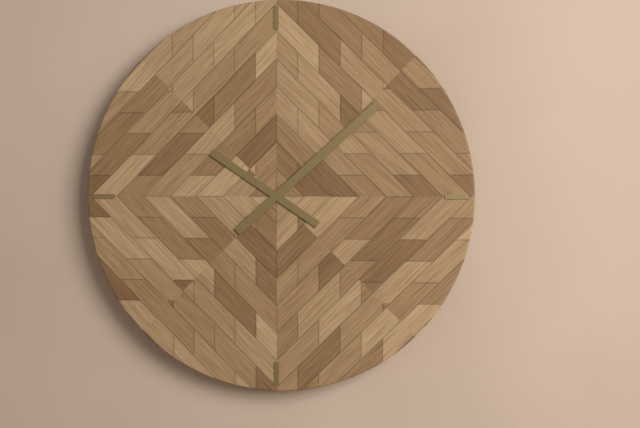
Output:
10:08
